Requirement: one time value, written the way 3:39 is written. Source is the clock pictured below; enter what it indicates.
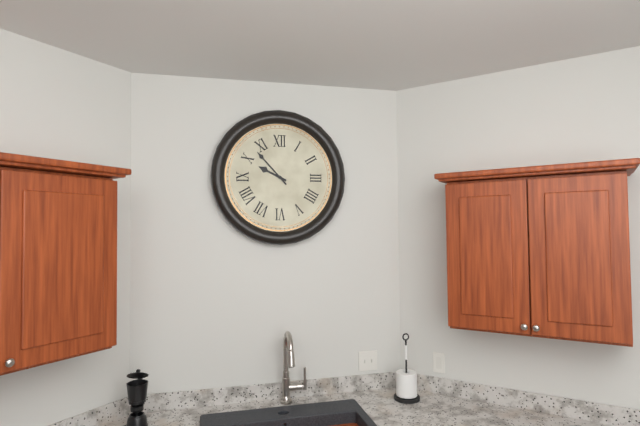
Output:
9:53
